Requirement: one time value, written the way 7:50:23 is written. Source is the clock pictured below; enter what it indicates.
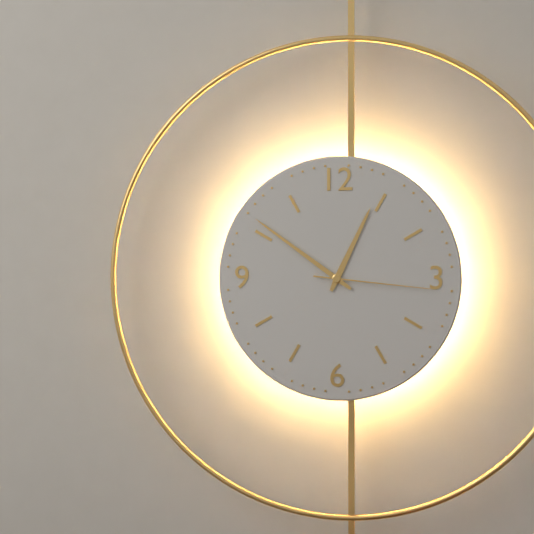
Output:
12:51:16
